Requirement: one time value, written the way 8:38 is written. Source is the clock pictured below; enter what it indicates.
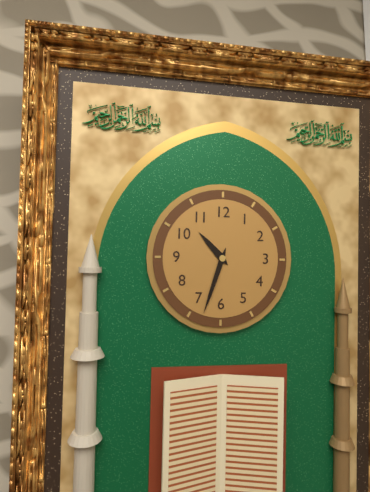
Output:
10:33
